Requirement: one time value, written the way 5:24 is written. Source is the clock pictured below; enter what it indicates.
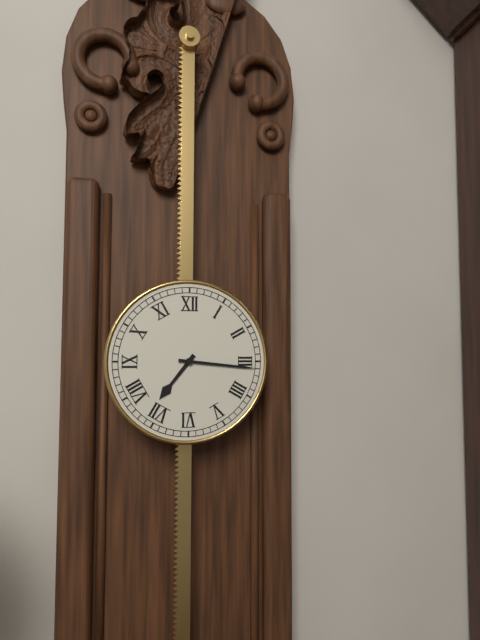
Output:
7:16
